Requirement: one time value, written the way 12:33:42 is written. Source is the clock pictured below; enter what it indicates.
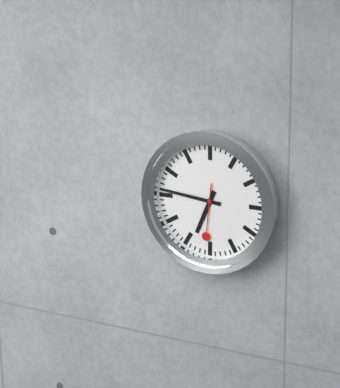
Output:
6:46:31
